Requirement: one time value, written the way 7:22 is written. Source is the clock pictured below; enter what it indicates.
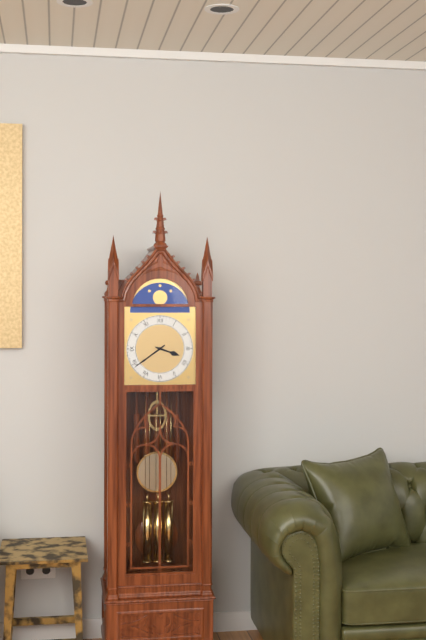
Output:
3:39
